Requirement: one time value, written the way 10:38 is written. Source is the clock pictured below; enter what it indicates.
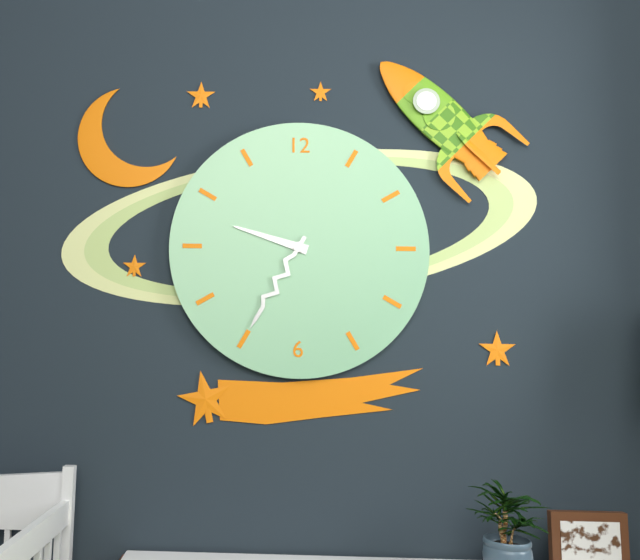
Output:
9:35
